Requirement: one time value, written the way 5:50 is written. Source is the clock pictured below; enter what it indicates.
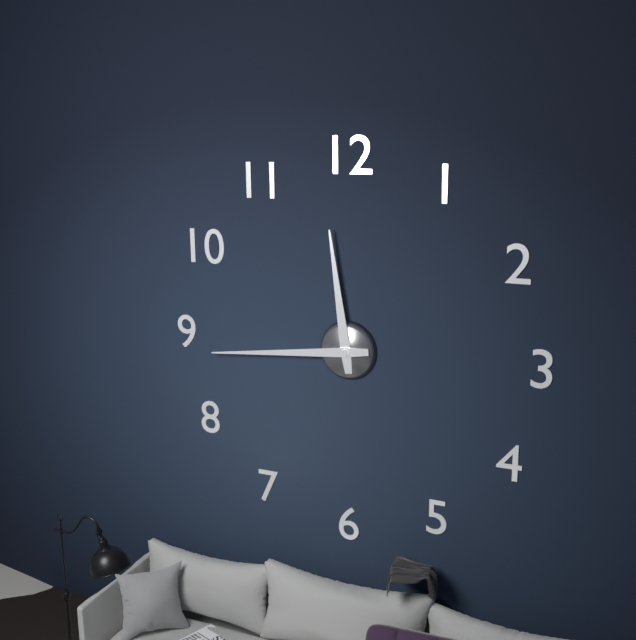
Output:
11:44
